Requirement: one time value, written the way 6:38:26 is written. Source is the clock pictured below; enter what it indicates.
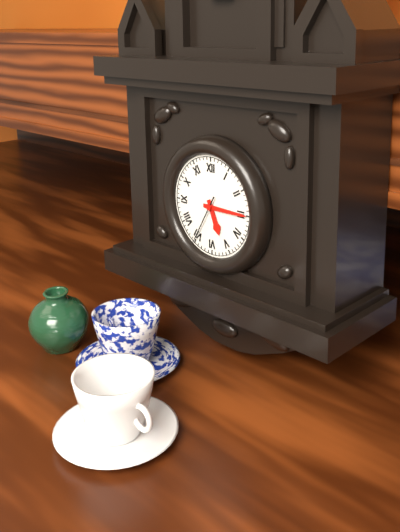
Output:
5:15:35
